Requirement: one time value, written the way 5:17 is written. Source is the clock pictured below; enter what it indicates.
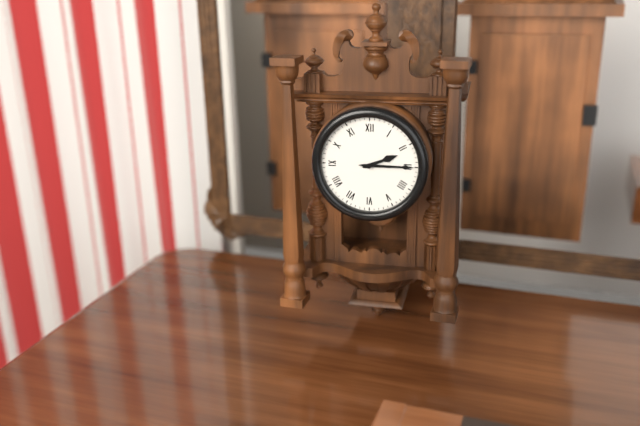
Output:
2:15
